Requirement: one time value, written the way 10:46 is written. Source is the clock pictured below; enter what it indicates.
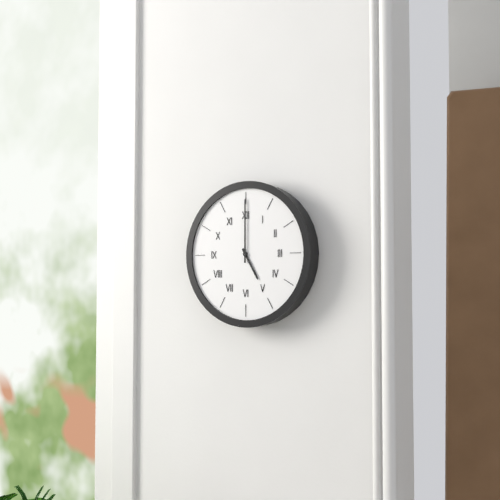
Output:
5:00
